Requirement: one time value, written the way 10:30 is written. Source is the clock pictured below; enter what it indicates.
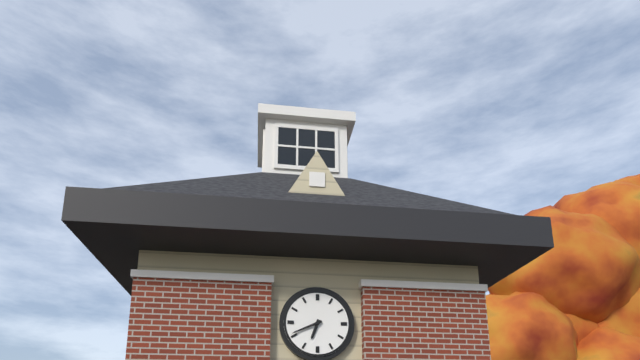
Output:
6:41
